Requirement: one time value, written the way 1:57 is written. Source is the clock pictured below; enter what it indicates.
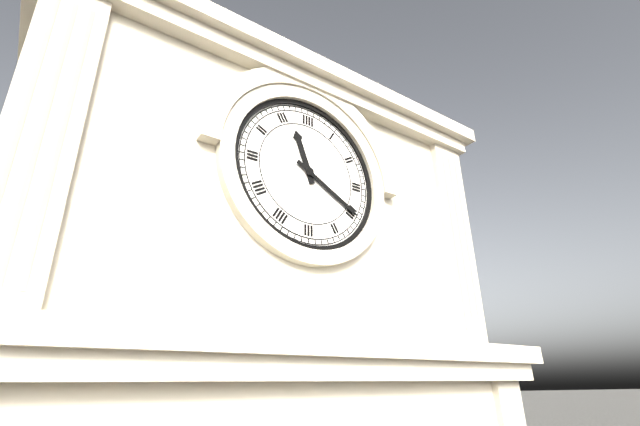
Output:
11:20
